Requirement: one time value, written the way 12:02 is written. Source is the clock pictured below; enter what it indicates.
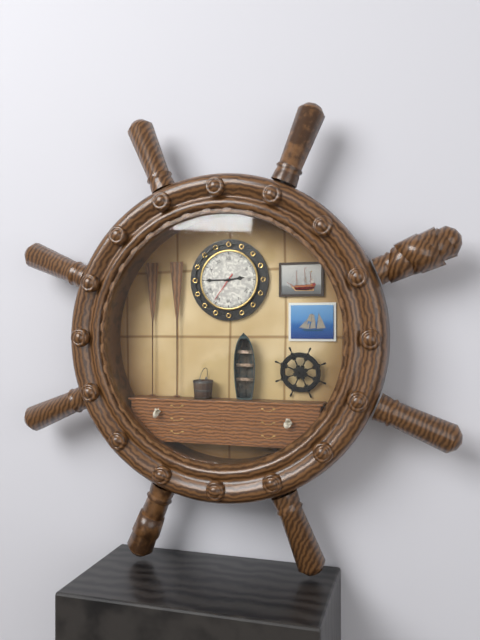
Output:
2:45
